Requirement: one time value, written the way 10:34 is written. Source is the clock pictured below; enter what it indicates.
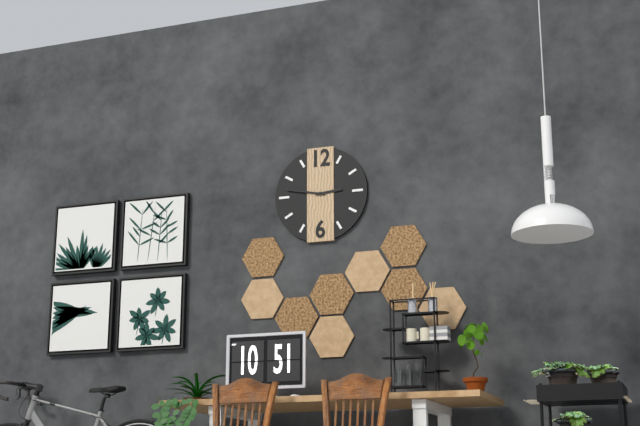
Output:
2:47
